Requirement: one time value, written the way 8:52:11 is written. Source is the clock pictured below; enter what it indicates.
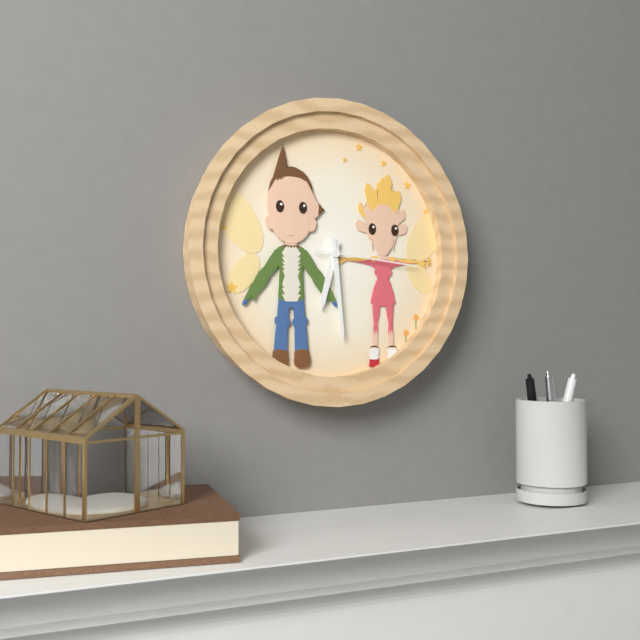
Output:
6:29:16
